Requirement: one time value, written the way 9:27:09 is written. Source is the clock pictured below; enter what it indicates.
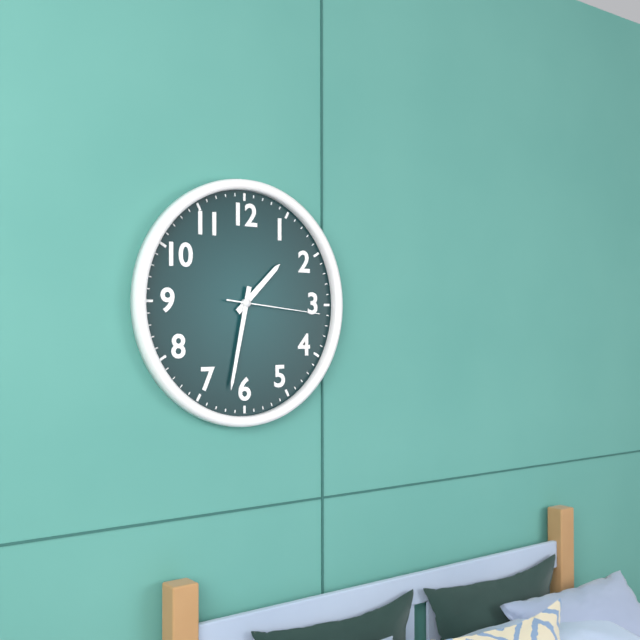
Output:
1:32:16
